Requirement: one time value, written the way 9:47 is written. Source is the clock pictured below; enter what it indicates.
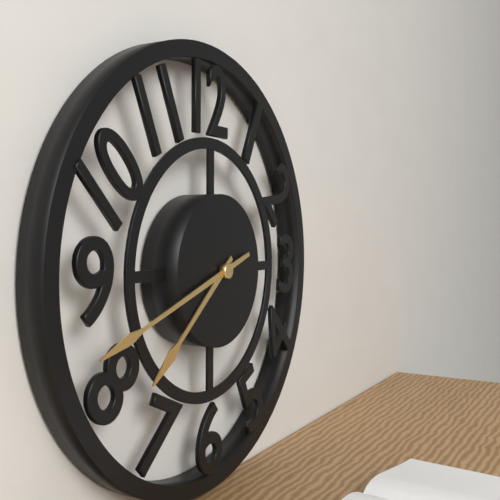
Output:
7:42
